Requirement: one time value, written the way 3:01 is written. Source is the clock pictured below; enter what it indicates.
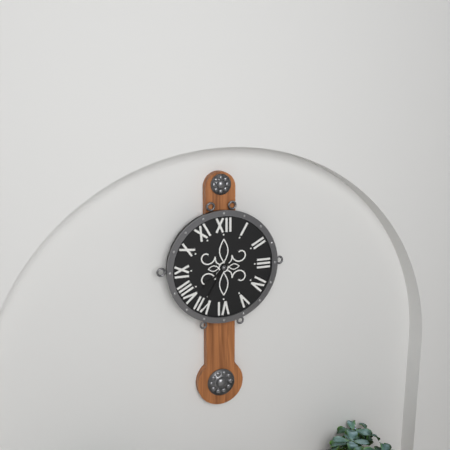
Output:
7:35
